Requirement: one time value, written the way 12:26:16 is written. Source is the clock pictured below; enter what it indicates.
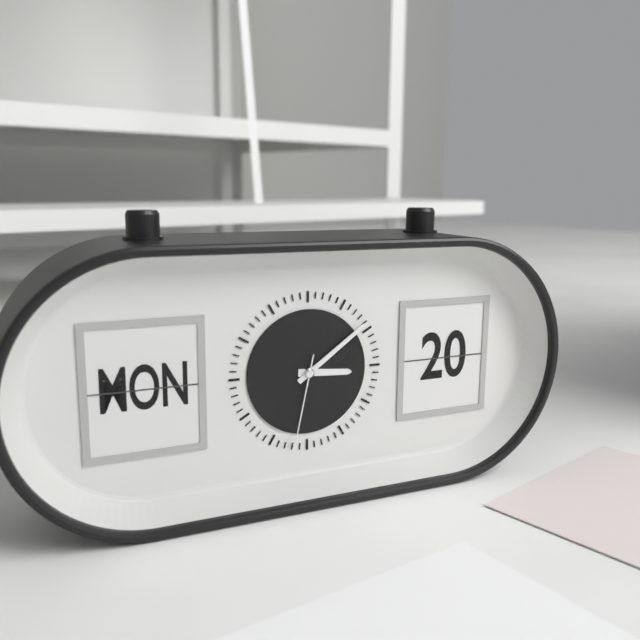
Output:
3:09:32
